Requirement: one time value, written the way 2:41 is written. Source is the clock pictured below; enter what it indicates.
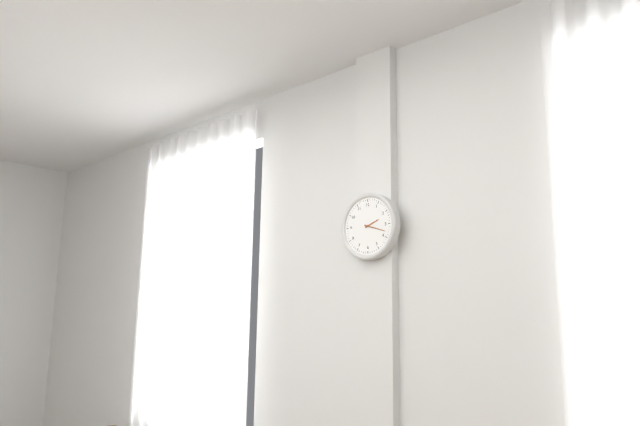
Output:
2:18
